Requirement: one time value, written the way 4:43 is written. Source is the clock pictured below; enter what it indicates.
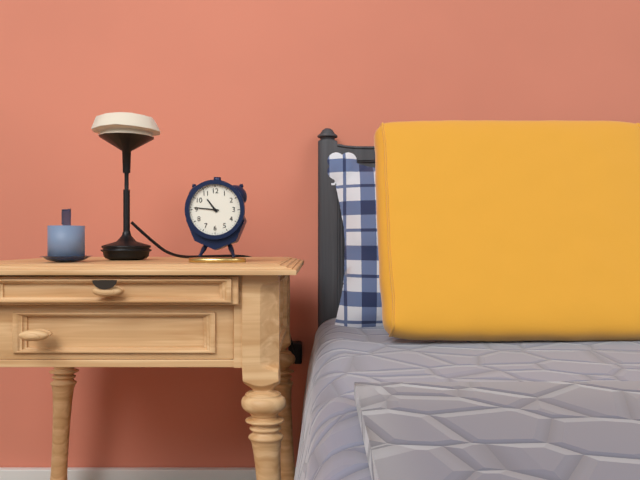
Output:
10:46
